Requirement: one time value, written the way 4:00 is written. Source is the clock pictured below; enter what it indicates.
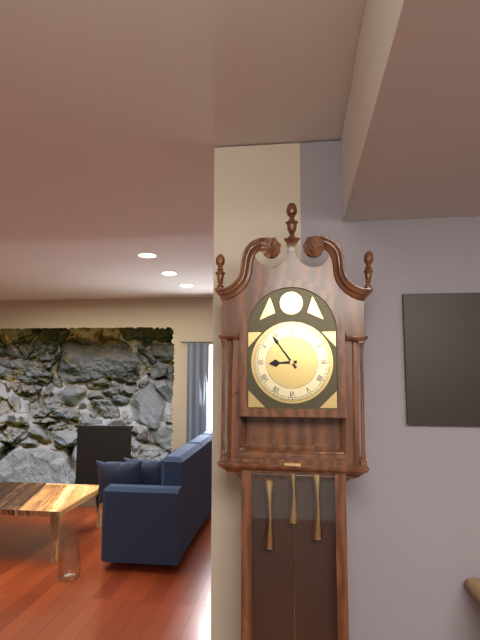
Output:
8:54
